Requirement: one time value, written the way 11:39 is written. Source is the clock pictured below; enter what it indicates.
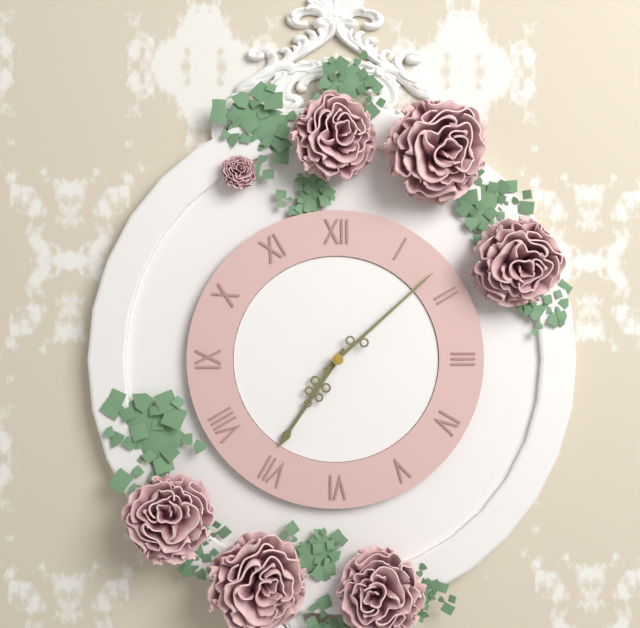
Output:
7:08
